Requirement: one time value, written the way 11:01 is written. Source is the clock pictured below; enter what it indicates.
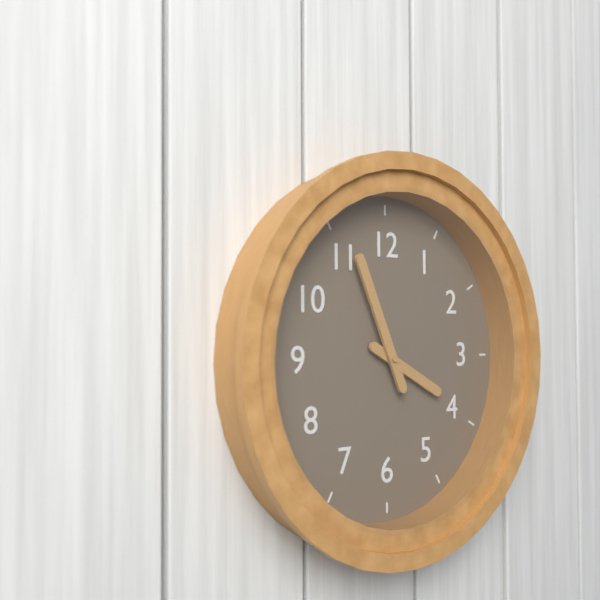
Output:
3:56
